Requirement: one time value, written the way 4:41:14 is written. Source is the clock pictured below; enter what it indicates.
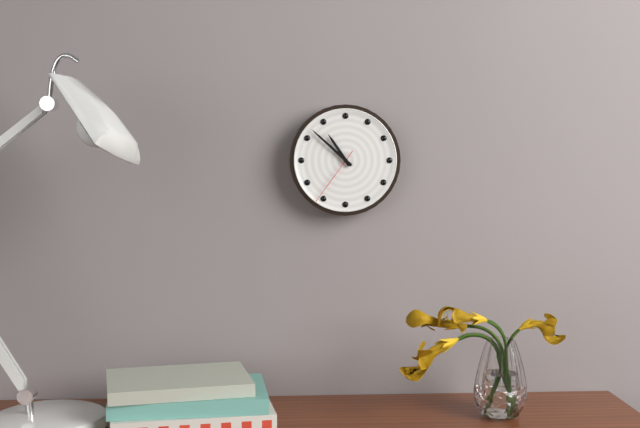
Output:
10:52:36
